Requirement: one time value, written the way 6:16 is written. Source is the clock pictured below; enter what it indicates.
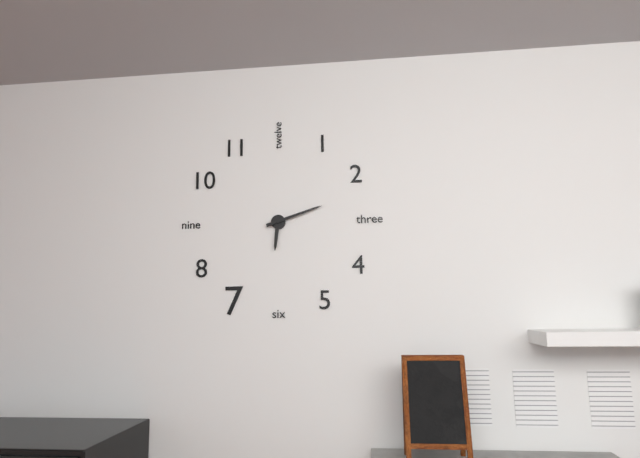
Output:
6:12
